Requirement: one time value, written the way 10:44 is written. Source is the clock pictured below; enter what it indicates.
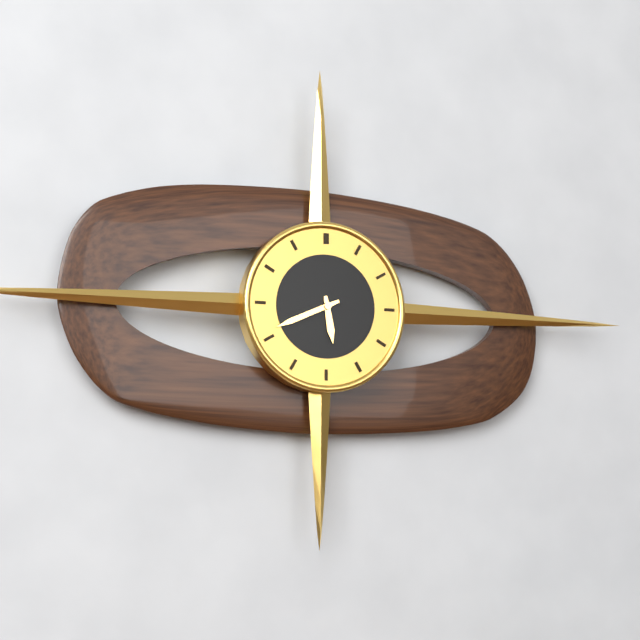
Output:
5:41
